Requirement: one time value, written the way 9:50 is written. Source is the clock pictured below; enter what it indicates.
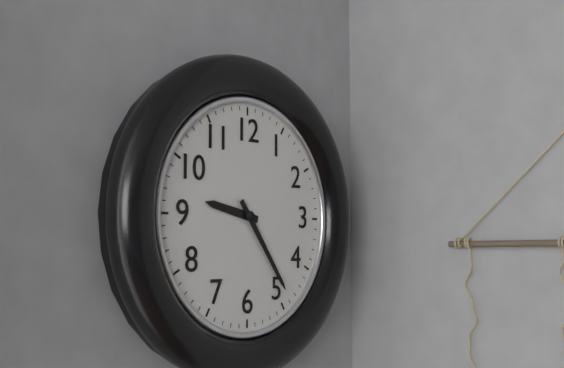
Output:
9:24
